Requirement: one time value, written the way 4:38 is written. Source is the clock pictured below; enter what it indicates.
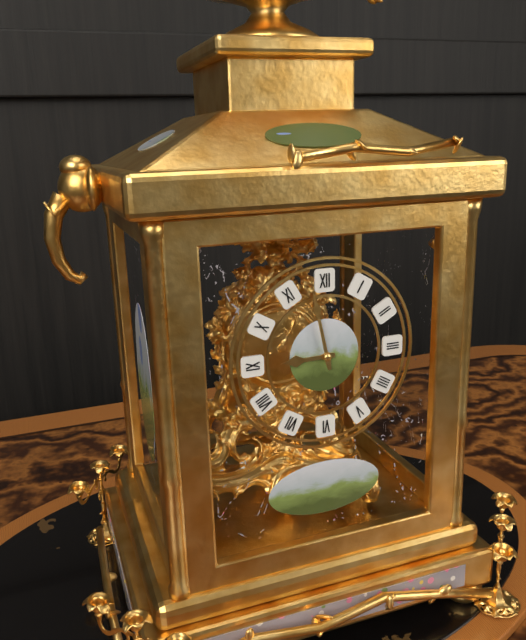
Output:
8:58
